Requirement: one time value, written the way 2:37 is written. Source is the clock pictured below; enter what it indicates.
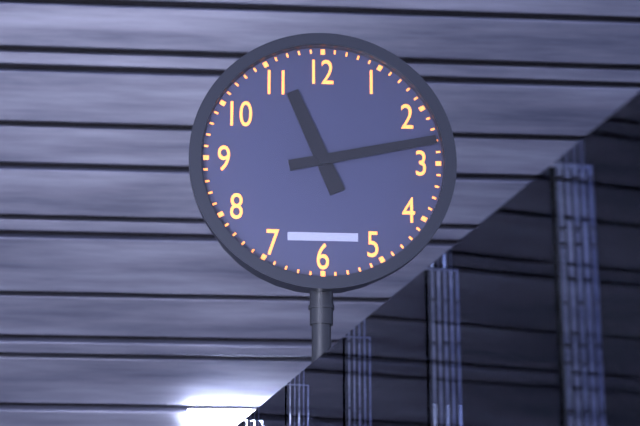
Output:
11:13
